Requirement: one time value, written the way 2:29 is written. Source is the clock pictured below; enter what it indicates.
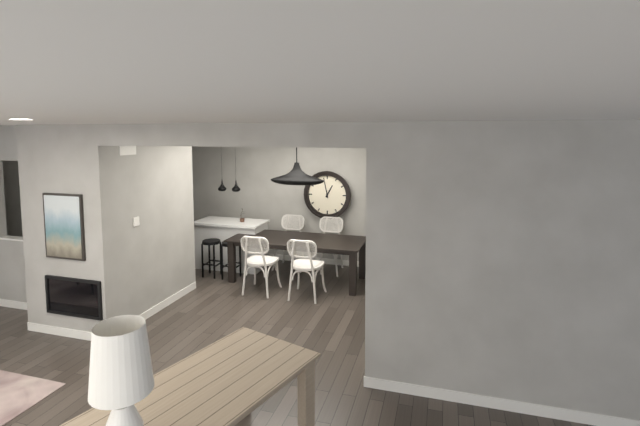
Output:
12:58
